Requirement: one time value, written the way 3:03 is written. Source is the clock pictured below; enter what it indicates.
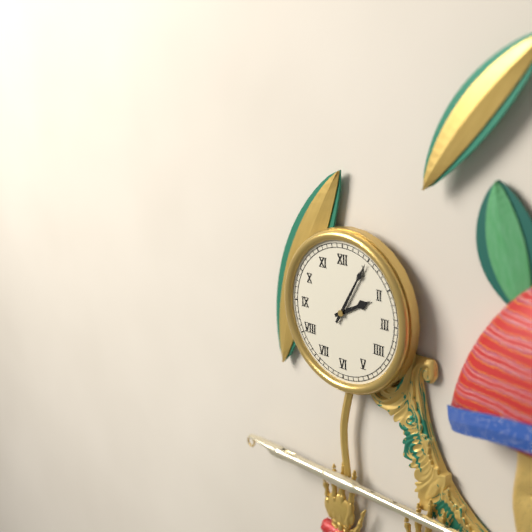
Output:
2:05
